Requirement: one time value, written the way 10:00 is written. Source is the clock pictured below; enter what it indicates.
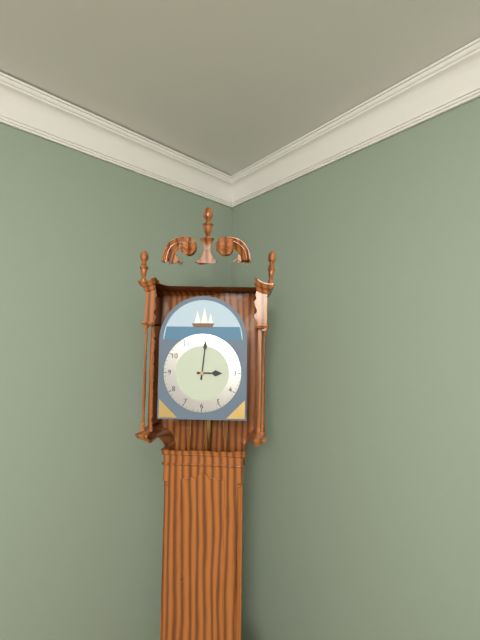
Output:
3:01
